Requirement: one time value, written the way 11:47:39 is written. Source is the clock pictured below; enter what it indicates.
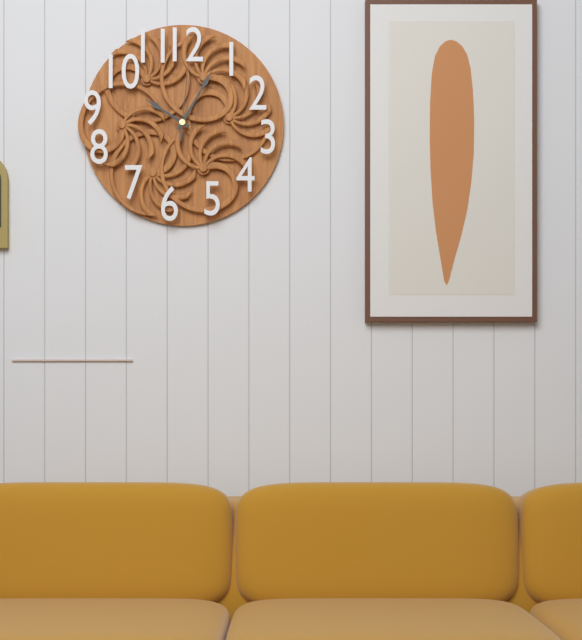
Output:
10:05:01
